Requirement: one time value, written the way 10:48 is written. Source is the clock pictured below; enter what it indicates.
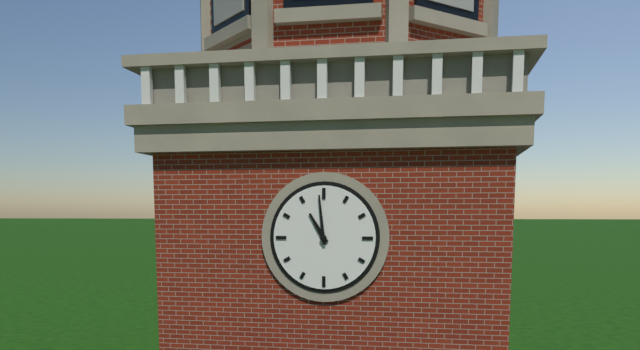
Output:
10:59
